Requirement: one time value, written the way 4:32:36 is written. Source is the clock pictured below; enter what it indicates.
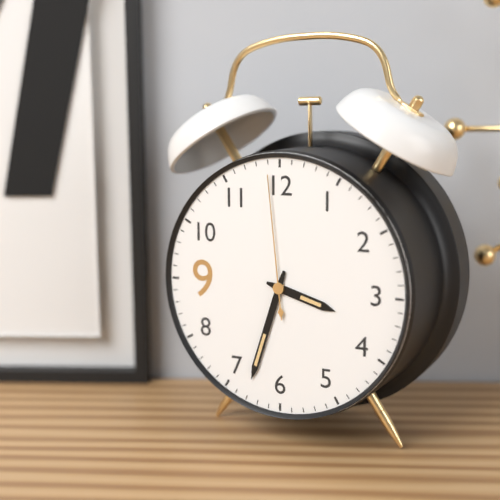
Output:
3:33:59
